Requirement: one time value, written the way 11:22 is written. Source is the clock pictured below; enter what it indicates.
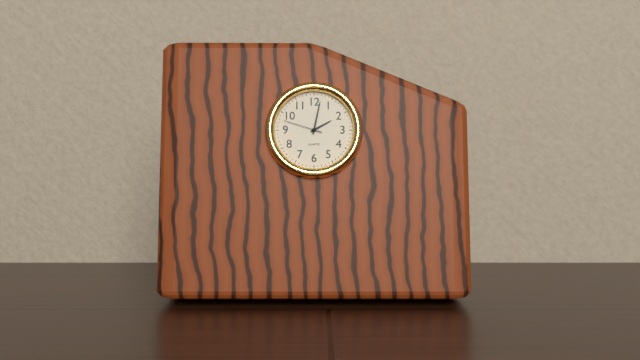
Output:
2:02
